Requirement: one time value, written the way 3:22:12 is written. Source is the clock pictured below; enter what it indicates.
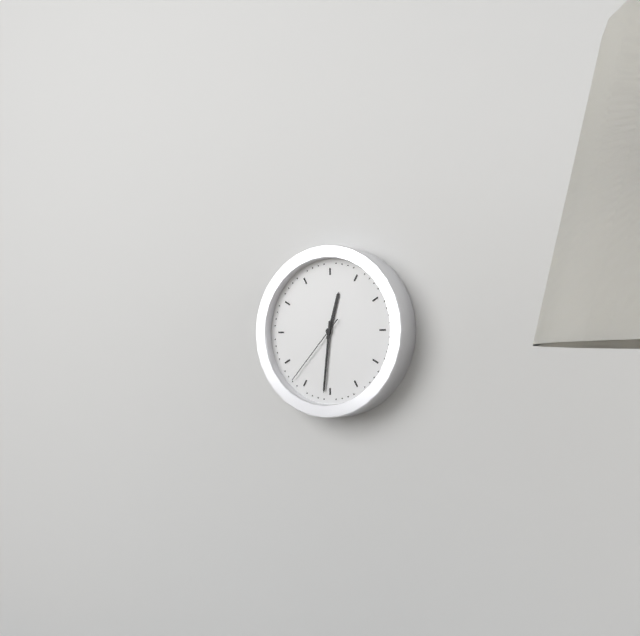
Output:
12:31:37
